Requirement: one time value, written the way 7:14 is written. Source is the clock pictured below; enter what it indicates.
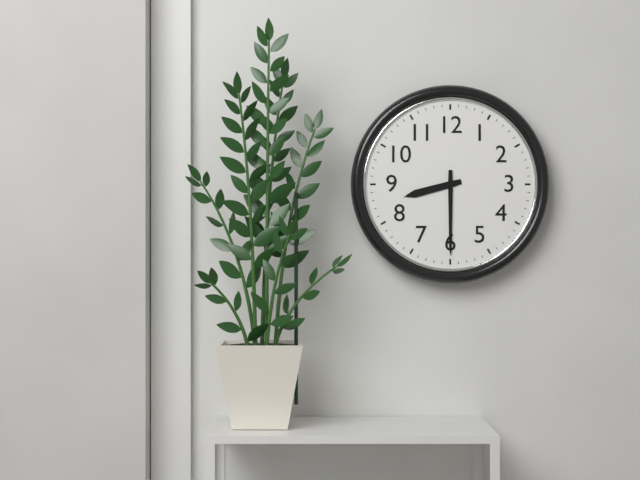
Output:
8:30
